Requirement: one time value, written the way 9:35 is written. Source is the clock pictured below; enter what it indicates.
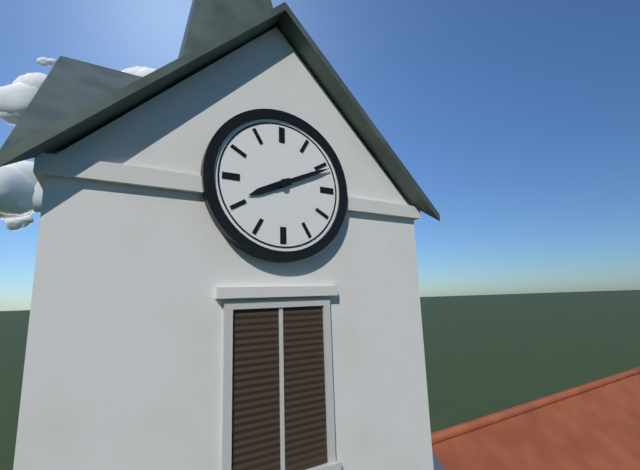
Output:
8:11
